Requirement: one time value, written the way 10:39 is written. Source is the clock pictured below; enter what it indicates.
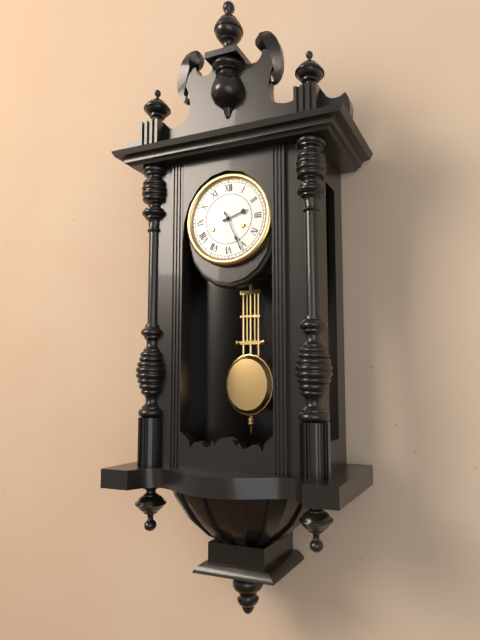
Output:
2:26
